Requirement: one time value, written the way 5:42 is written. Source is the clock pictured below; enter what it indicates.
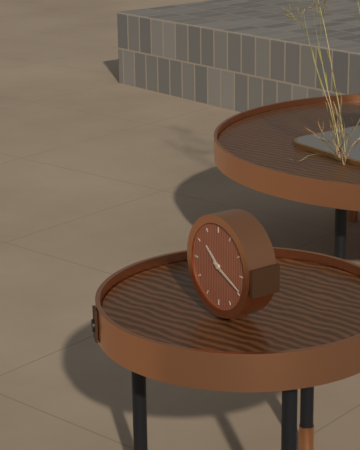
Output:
10:19
